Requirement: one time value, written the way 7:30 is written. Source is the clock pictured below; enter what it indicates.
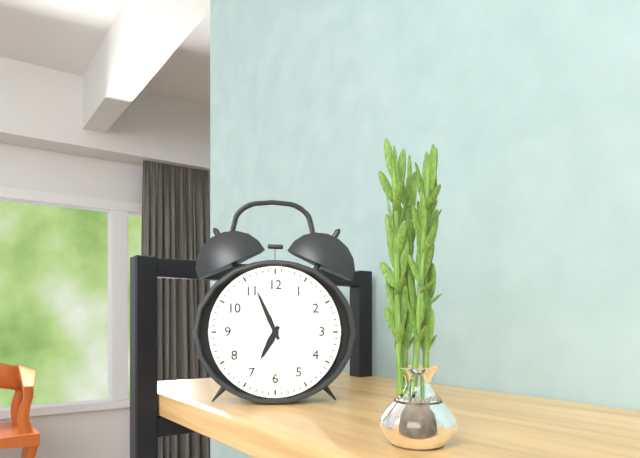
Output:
6:56
